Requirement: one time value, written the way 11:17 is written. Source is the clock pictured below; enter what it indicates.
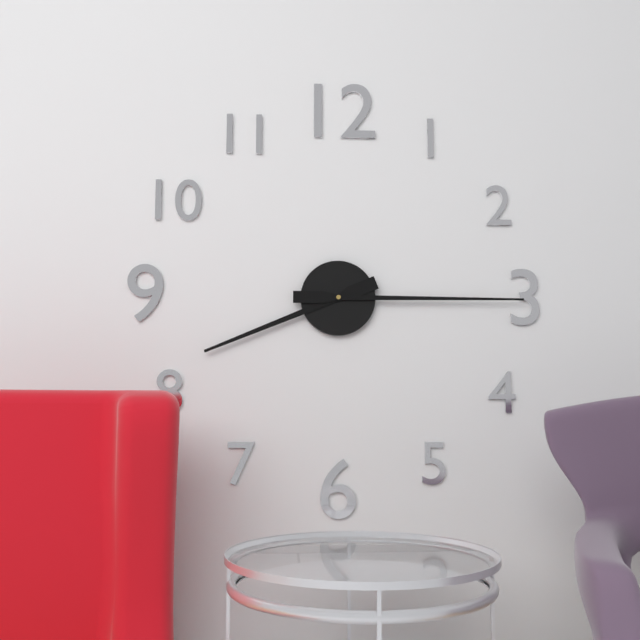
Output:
8:15
